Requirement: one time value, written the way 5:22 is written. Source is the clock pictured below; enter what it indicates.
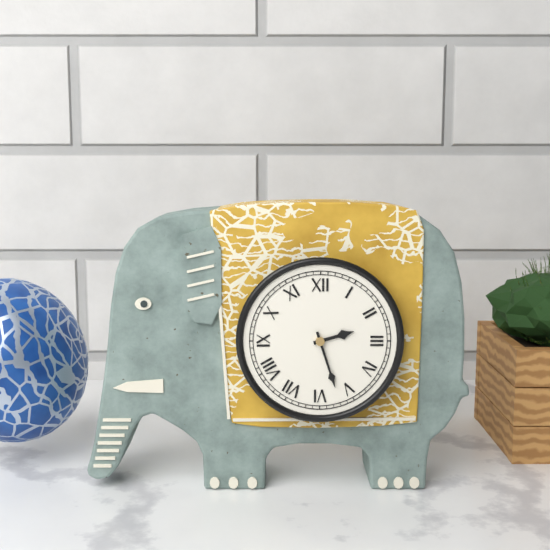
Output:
2:27
